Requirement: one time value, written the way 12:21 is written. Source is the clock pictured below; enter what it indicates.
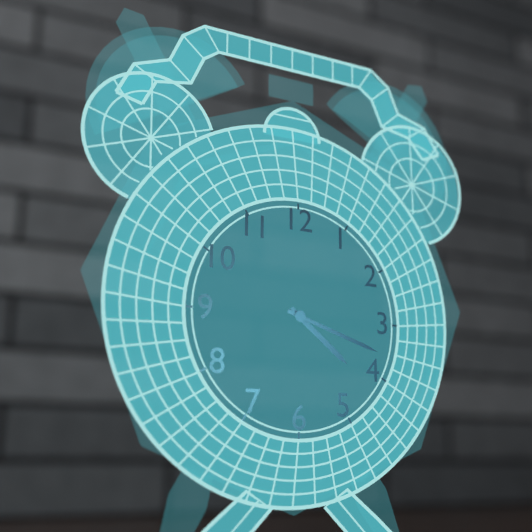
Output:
4:18
